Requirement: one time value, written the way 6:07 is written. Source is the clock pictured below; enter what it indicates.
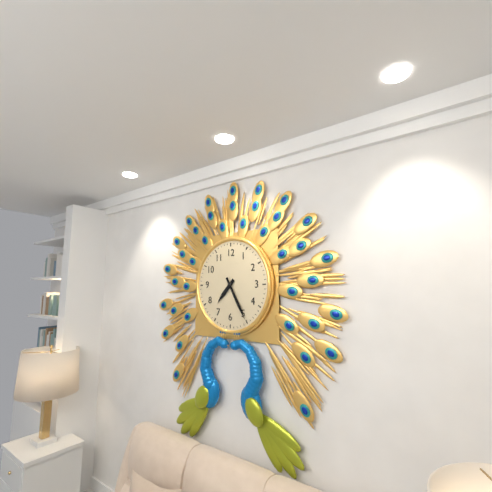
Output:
7:25
